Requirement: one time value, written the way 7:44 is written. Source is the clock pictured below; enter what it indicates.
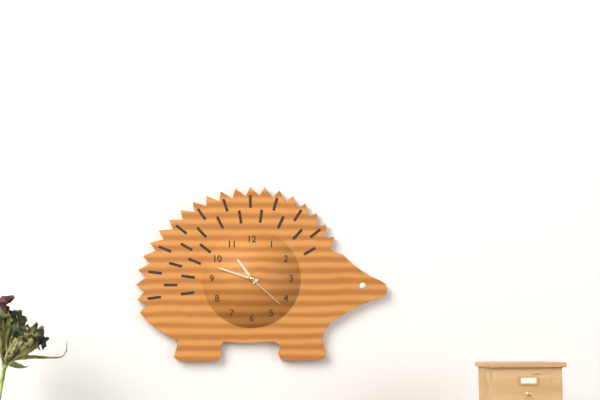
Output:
10:48
